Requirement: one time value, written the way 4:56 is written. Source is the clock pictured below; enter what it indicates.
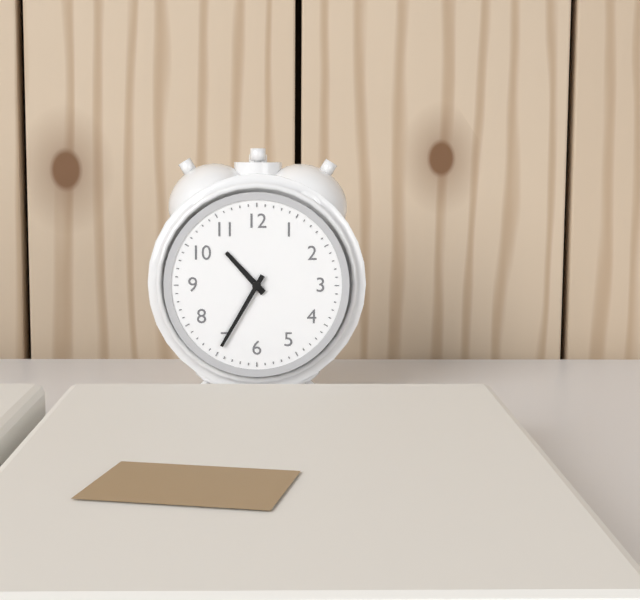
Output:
10:35
